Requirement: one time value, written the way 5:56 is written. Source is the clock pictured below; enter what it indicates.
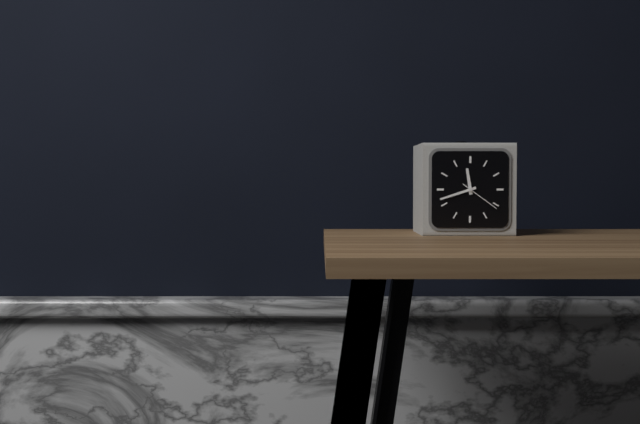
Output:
11:42
